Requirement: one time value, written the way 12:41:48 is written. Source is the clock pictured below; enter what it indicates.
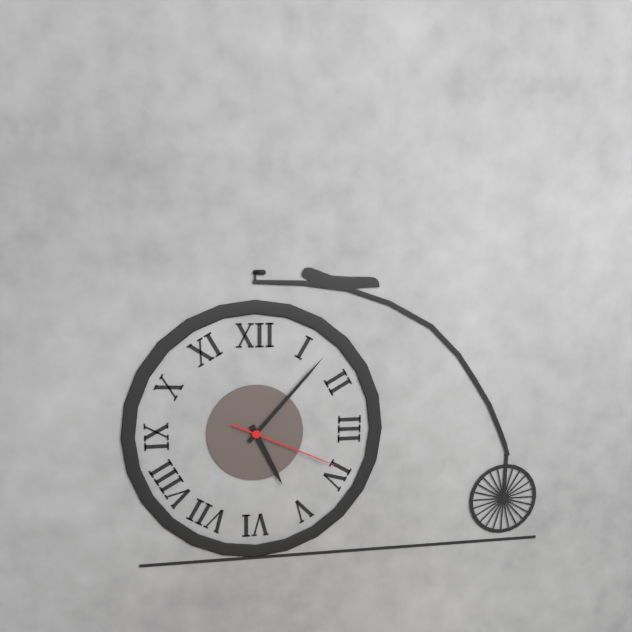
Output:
5:07:19
